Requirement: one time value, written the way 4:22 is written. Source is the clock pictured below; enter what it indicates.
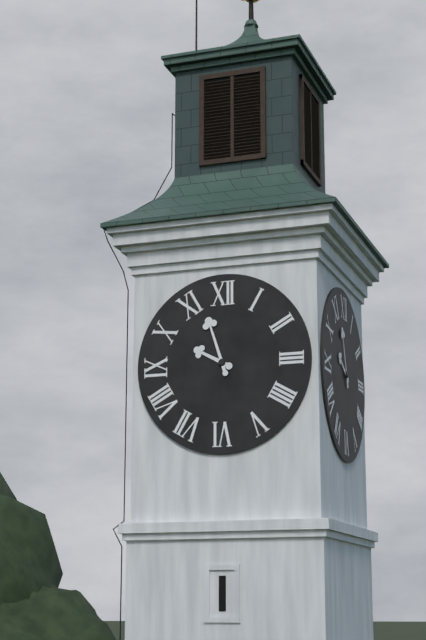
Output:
9:57
